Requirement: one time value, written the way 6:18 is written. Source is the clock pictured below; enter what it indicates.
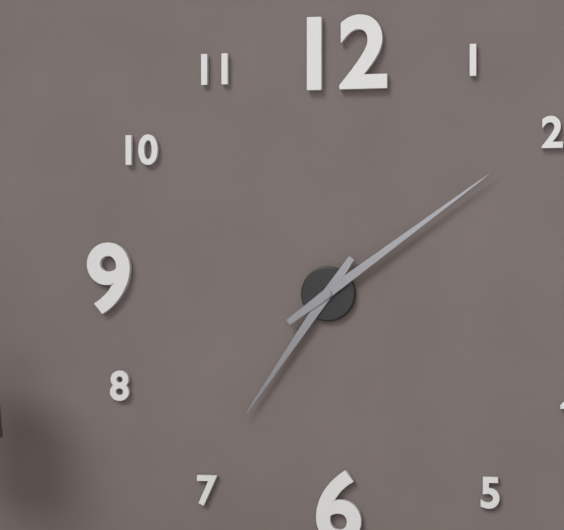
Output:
7:09
